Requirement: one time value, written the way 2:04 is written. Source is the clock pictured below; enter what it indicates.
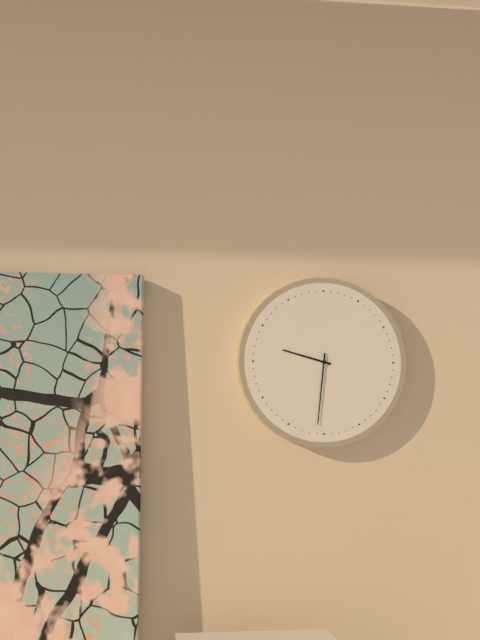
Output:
9:31
